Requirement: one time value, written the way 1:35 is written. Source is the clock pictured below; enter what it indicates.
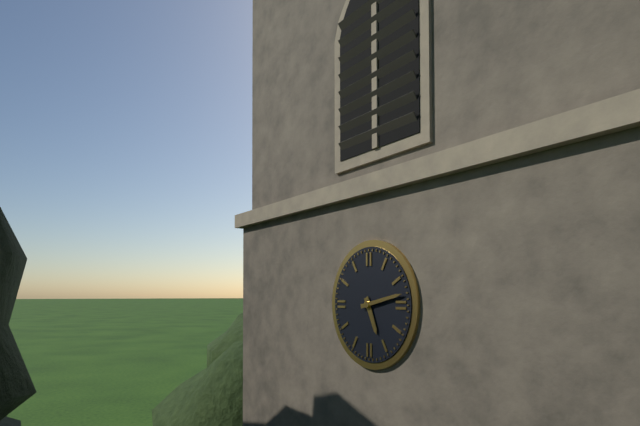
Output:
5:13
